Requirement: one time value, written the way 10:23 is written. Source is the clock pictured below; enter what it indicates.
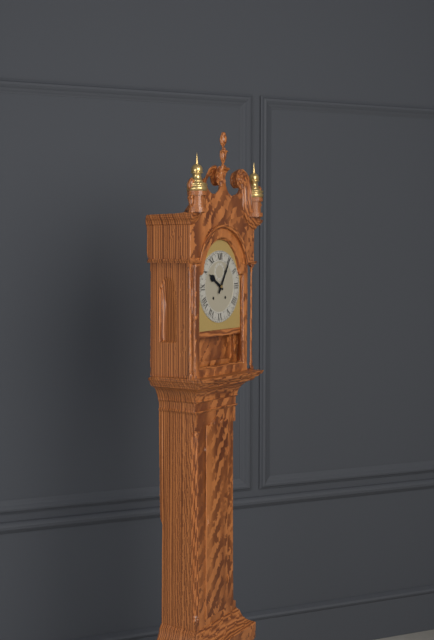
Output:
10:05
